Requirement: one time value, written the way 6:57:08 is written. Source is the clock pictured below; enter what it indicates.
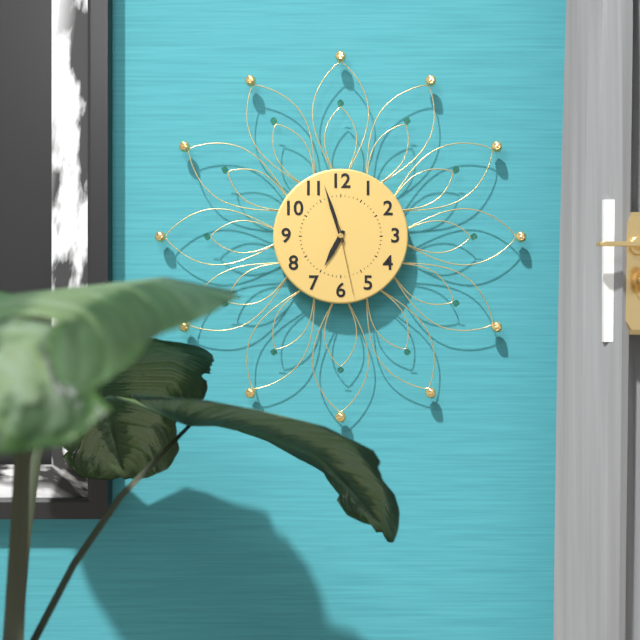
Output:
6:57:28
